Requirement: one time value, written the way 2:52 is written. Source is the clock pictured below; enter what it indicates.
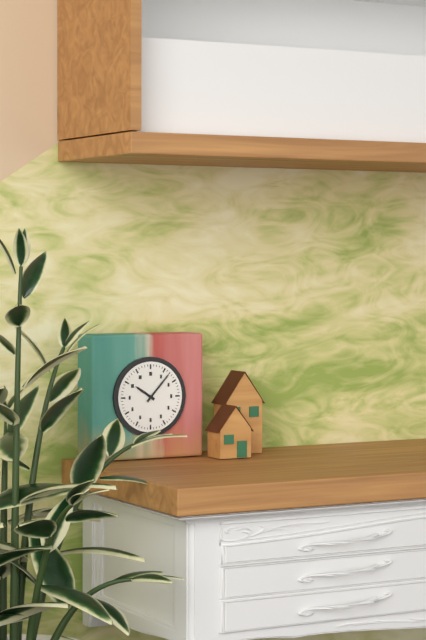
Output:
10:07
